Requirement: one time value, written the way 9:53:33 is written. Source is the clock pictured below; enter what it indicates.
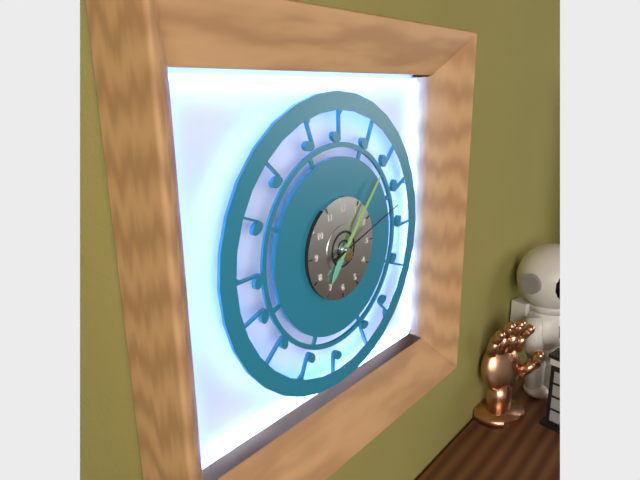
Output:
7:07:12
